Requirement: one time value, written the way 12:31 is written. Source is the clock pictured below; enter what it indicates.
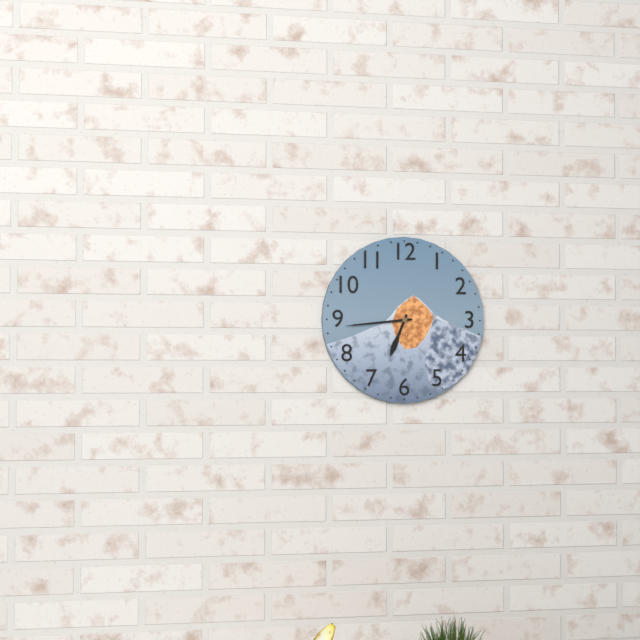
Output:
6:44
